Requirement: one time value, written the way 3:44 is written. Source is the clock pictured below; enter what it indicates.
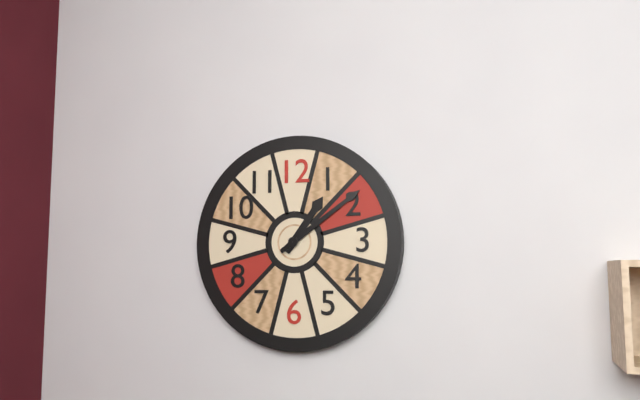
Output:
1:09
